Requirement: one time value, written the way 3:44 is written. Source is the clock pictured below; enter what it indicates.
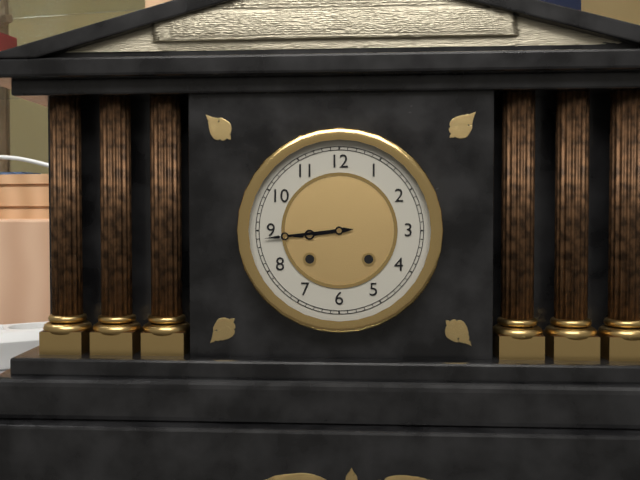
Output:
8:44
